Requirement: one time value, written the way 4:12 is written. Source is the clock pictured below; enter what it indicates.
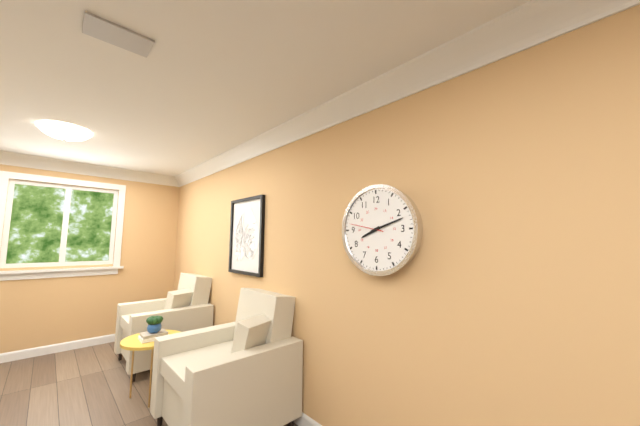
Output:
8:12
